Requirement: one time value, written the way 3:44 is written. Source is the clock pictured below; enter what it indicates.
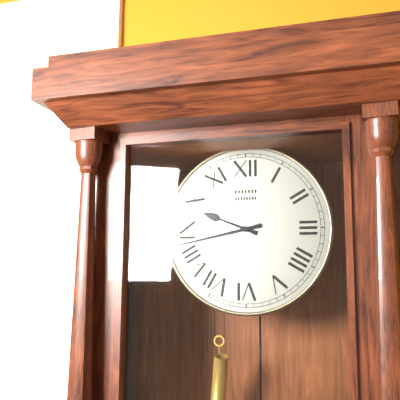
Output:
9:43
